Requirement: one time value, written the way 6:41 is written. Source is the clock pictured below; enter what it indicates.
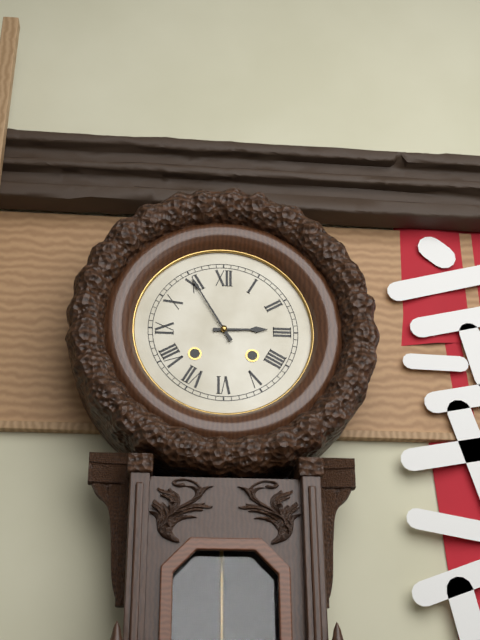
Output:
2:55
